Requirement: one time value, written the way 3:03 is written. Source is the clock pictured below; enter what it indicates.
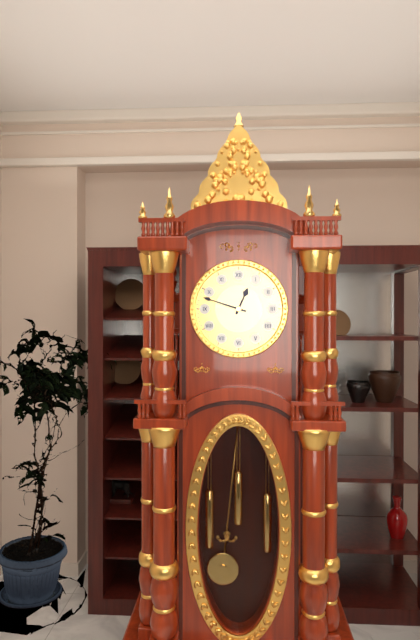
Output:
12:48
